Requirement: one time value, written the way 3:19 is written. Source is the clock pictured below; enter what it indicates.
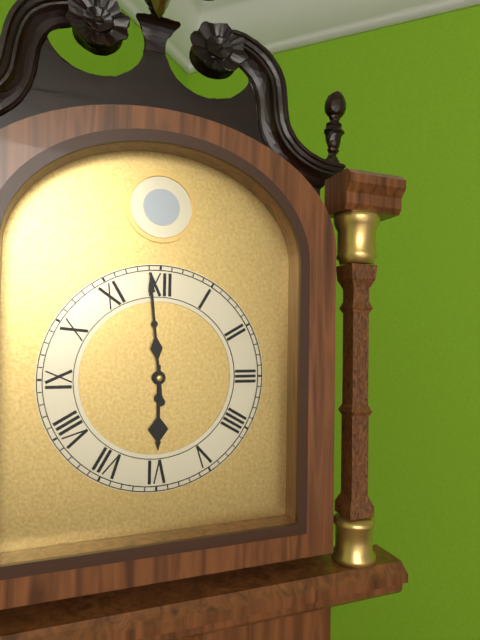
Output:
5:59
